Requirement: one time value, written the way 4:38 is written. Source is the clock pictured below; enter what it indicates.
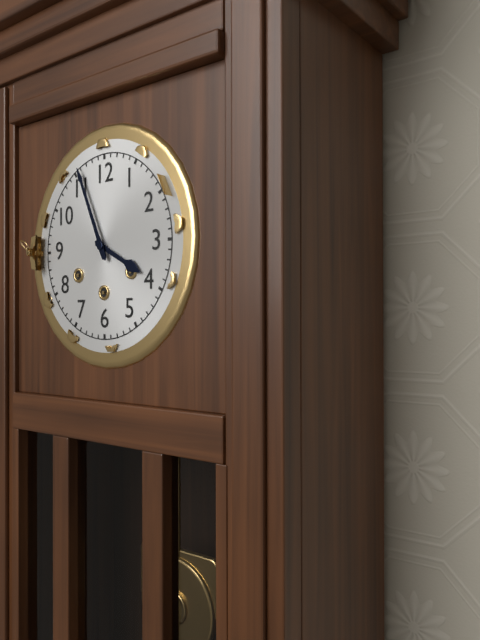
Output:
3:56
